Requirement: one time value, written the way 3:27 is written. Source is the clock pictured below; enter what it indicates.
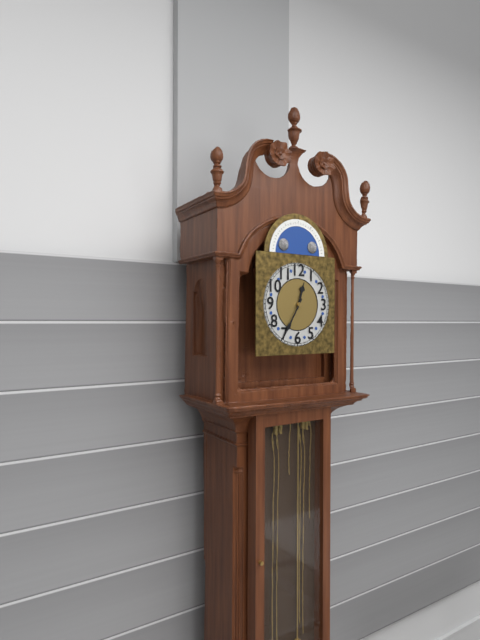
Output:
12:35
